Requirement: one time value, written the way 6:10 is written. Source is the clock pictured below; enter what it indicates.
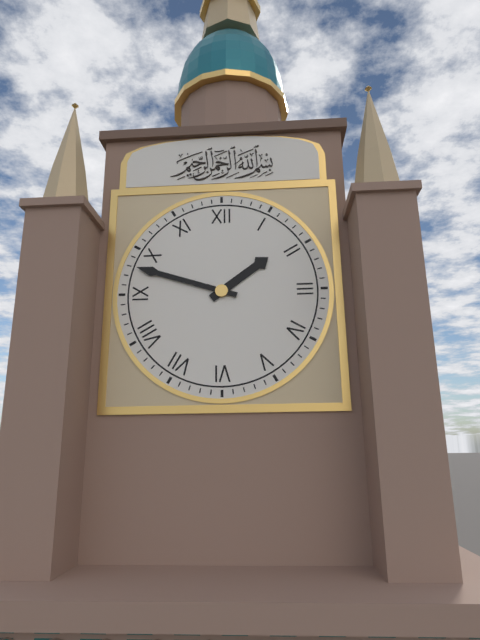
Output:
1:48
